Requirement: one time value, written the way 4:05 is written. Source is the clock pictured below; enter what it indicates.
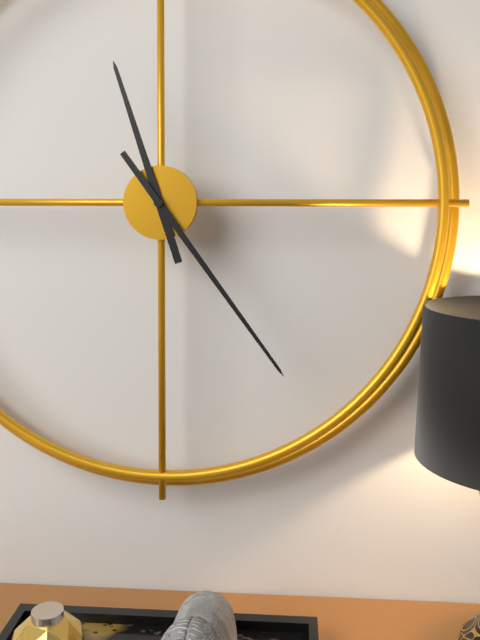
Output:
11:24
